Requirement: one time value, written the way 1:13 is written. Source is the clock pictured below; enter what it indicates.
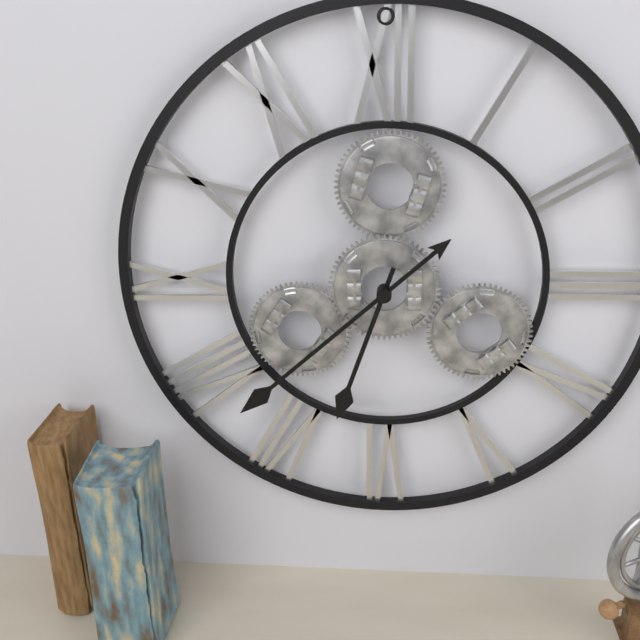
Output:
6:38
